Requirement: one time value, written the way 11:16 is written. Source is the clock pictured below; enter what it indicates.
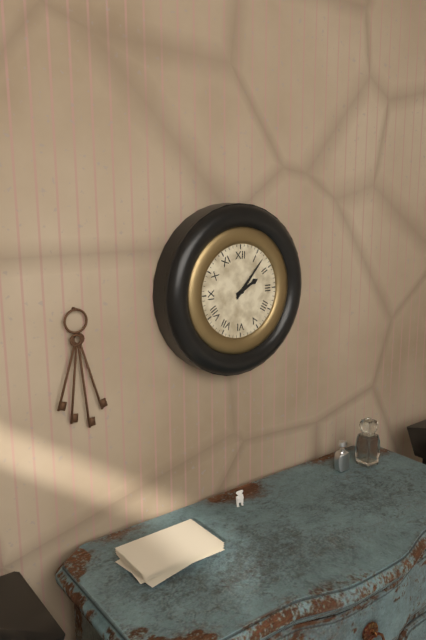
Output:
2:07
